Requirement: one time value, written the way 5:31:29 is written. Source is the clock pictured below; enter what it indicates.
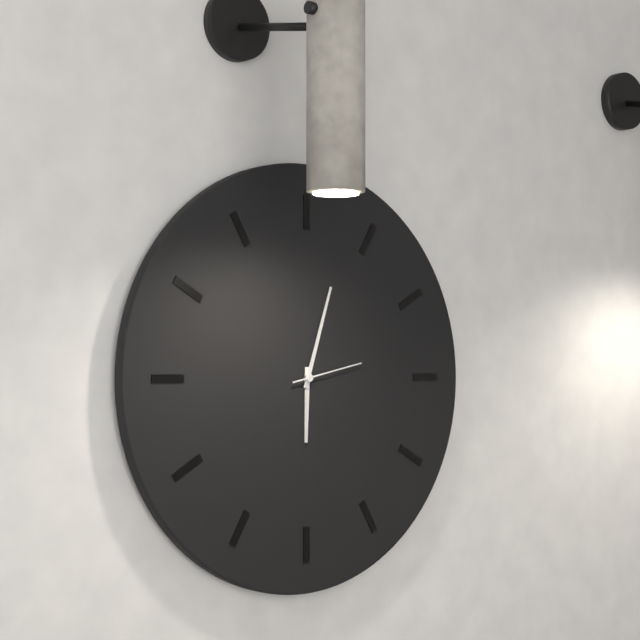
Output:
6:03:13
